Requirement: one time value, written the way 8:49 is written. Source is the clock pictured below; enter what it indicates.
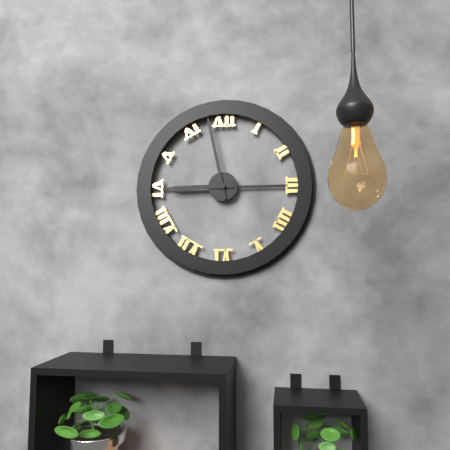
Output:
8:58
